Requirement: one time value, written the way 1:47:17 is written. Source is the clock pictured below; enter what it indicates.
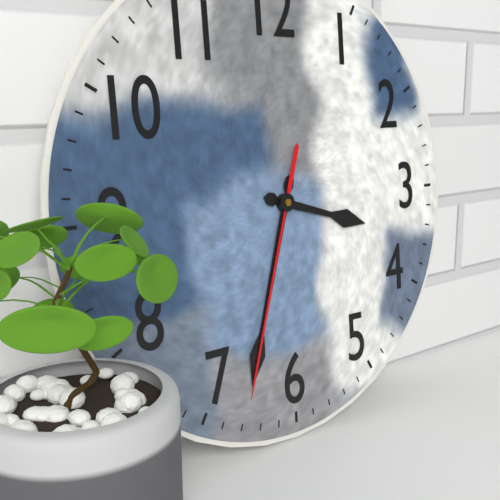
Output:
3:33:33
